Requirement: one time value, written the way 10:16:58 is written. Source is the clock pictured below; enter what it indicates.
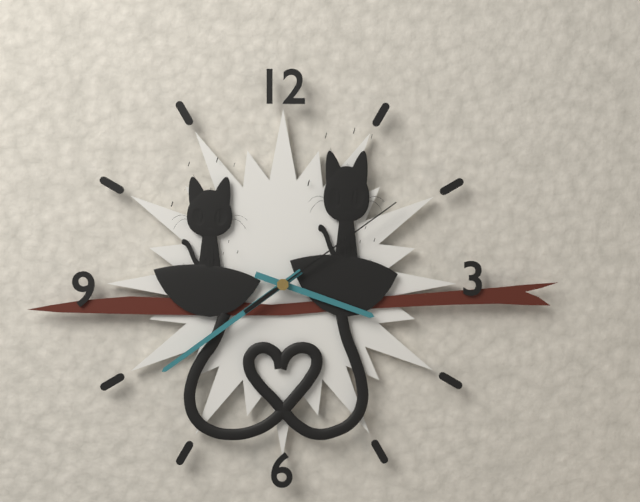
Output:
3:39:09
